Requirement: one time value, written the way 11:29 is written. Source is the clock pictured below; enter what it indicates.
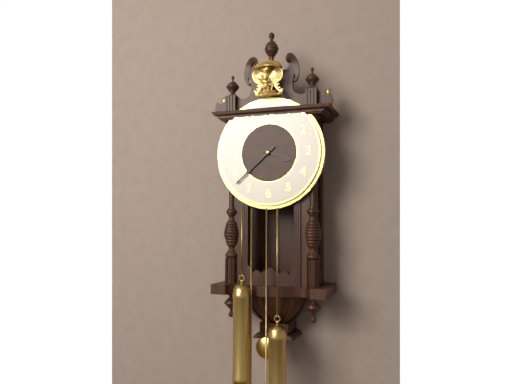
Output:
3:38
